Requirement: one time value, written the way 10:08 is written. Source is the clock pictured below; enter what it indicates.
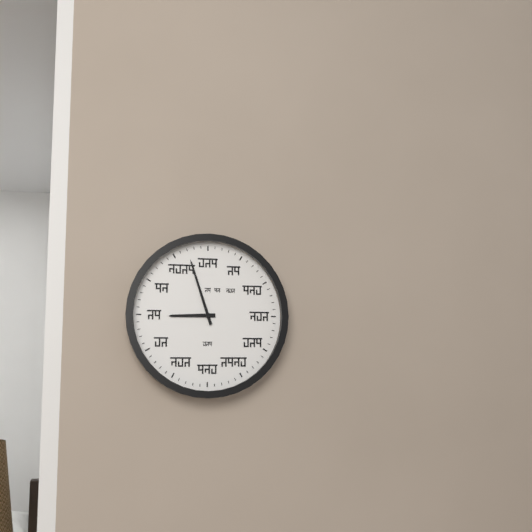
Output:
8:57
